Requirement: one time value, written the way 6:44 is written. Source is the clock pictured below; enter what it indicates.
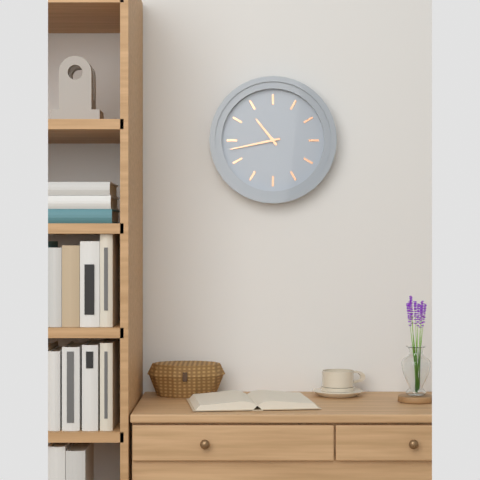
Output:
10:43
